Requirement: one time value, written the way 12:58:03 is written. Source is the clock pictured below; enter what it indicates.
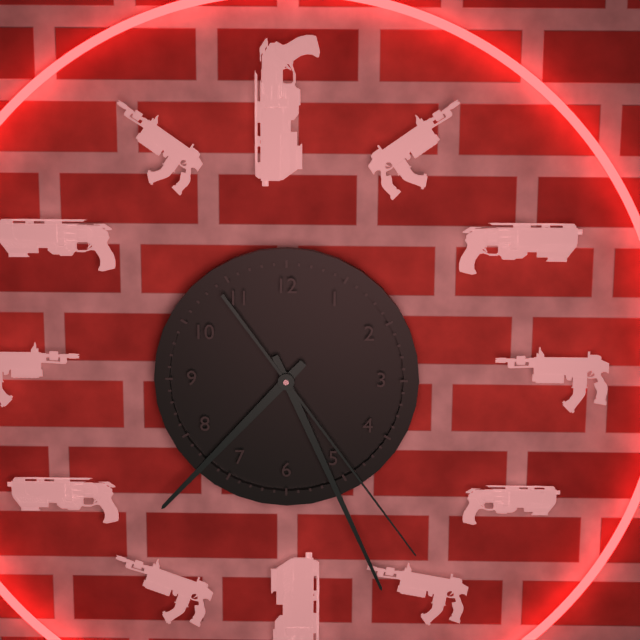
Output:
7:26:24
